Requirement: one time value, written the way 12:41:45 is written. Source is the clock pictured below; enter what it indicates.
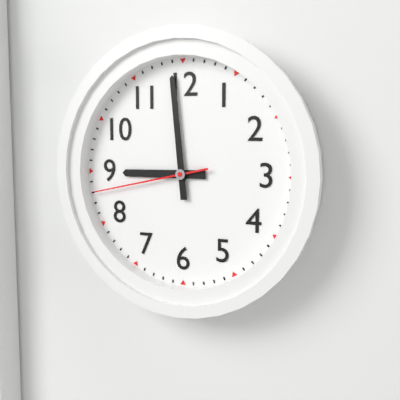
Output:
8:59:43
